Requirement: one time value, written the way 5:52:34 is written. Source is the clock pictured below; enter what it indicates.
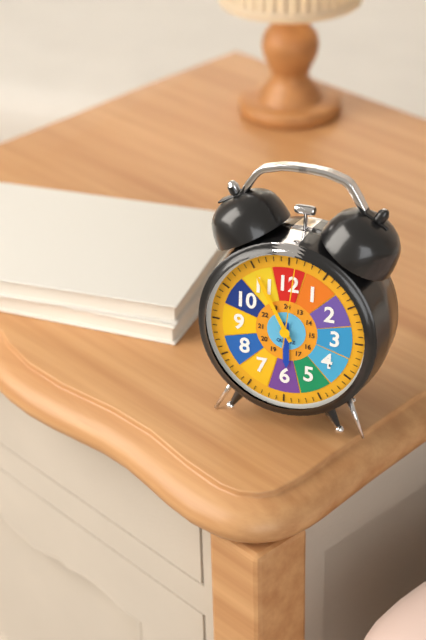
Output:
5:55:01
